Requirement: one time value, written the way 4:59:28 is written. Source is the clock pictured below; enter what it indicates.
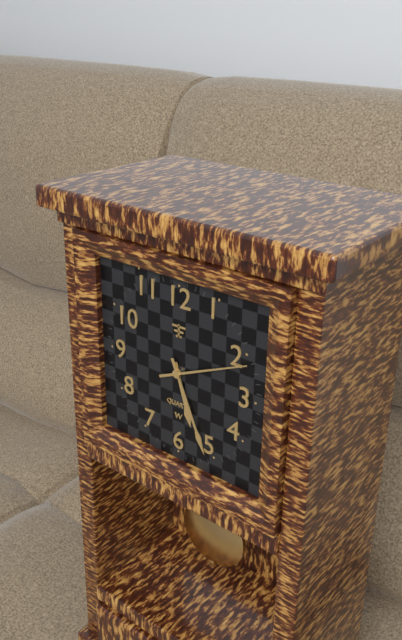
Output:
5:26:11
